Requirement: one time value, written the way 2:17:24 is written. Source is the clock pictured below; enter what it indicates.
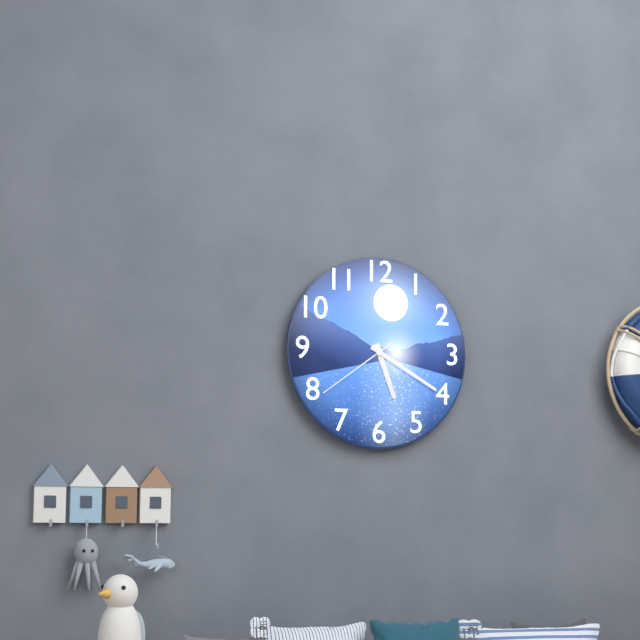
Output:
5:20:39
